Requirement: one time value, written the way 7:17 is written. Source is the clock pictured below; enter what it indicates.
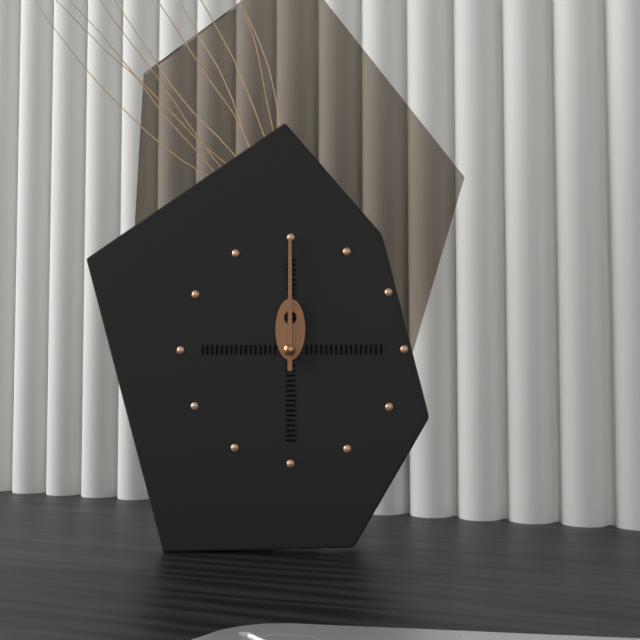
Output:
12:00
